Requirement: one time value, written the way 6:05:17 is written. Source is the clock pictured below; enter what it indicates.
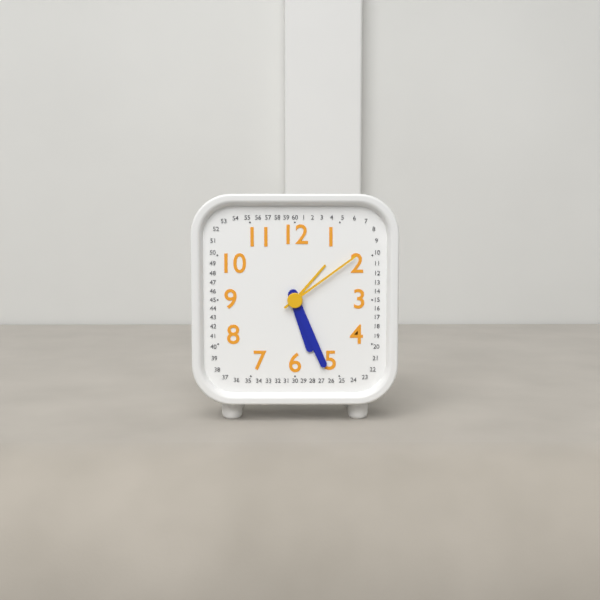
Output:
5:26:09
